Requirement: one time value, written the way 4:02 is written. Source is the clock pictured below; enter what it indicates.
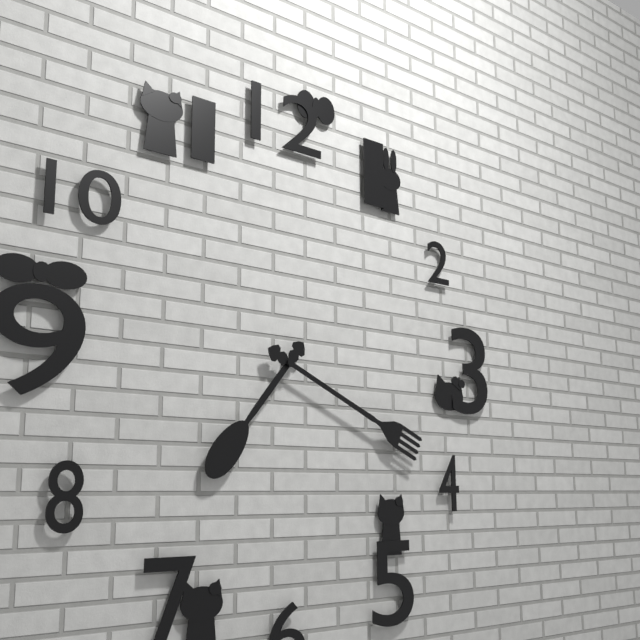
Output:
7:19
